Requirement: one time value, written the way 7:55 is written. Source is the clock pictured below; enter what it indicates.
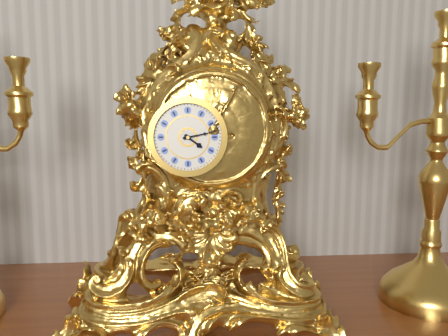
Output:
4:13
